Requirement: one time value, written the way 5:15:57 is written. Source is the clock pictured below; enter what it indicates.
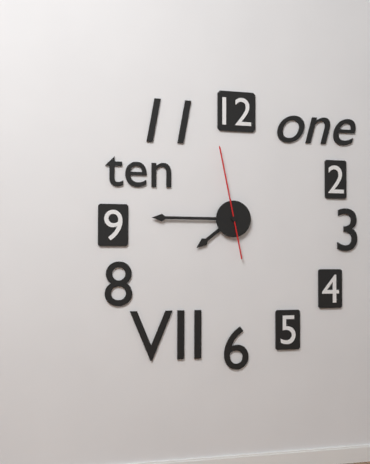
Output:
7:45:58
